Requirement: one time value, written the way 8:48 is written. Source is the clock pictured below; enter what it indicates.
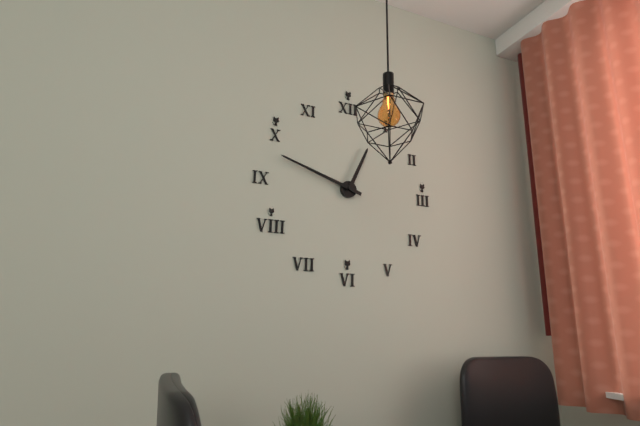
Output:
12:48
